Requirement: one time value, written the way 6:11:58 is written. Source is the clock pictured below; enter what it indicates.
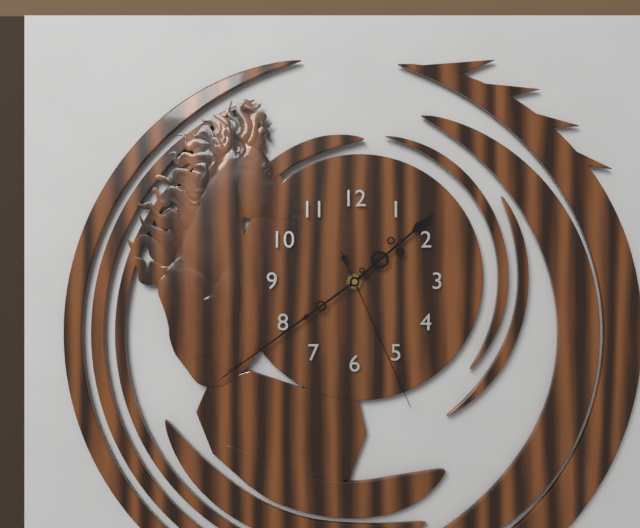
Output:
1:39:26
